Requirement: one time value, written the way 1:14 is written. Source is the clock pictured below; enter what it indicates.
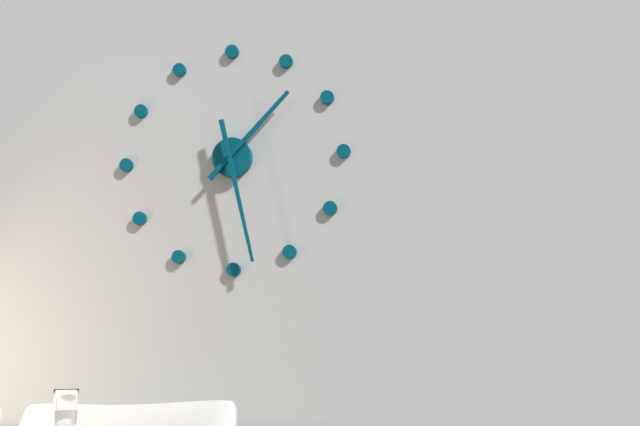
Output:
1:28
